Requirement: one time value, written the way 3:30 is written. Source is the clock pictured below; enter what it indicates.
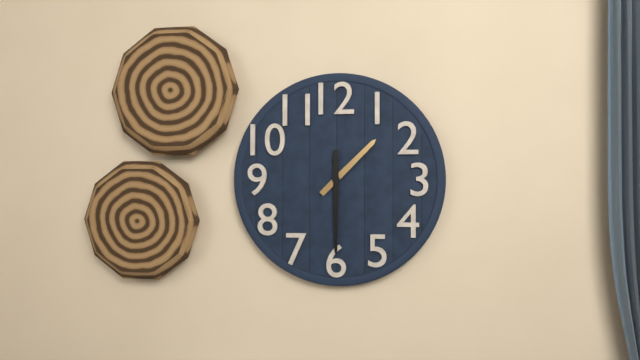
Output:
1:30
